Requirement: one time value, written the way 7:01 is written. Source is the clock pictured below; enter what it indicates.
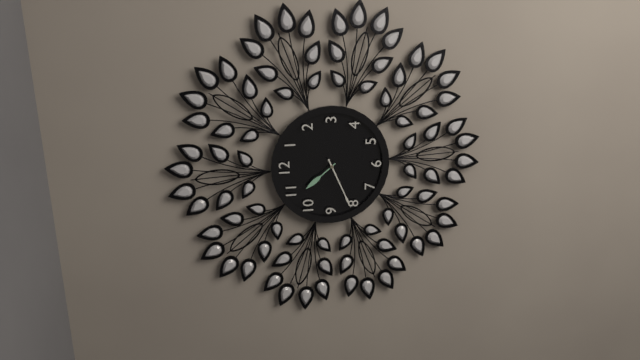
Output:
10:41
